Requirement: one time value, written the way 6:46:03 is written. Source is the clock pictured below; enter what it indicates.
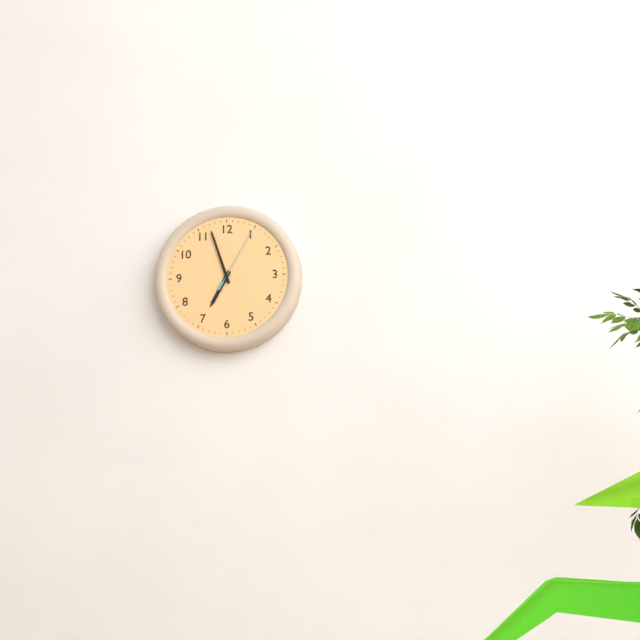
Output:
6:57:05
